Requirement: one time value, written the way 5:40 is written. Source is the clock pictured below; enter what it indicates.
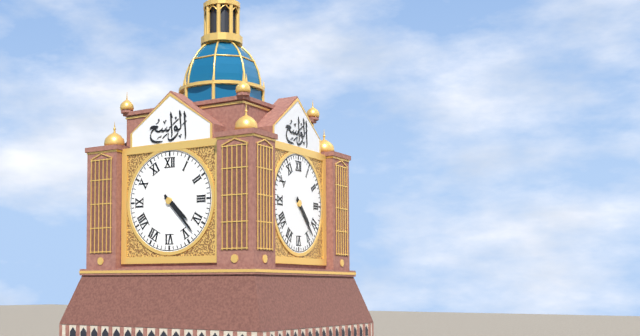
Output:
4:23
